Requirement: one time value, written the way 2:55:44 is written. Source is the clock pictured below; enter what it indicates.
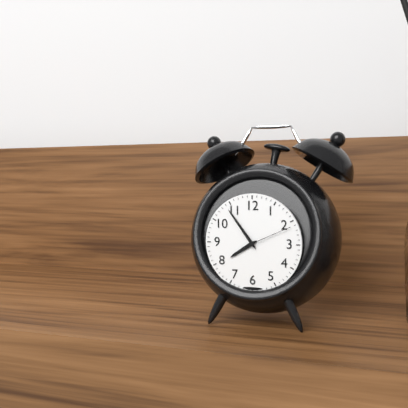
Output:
7:54:11
